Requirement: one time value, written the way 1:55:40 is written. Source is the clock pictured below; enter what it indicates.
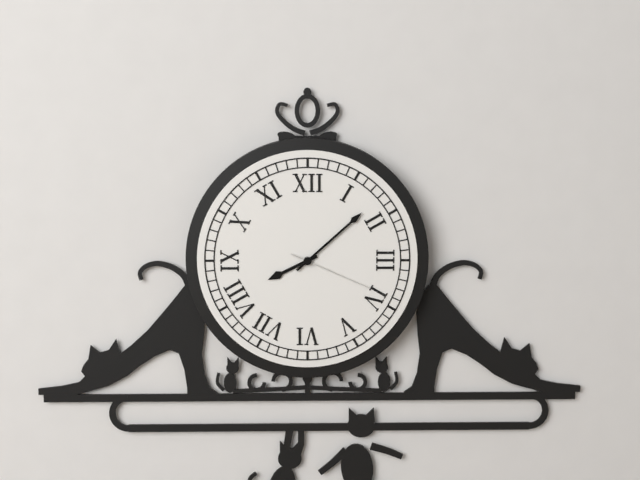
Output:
8:08:19
